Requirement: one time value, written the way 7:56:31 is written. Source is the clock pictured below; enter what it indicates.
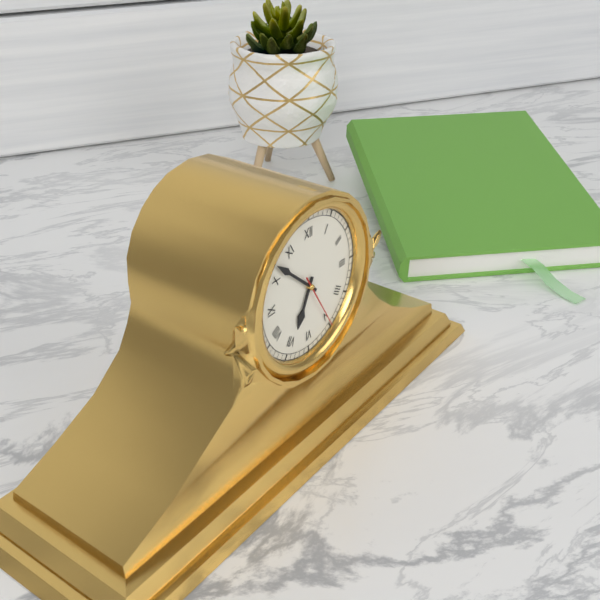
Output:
6:52:25
